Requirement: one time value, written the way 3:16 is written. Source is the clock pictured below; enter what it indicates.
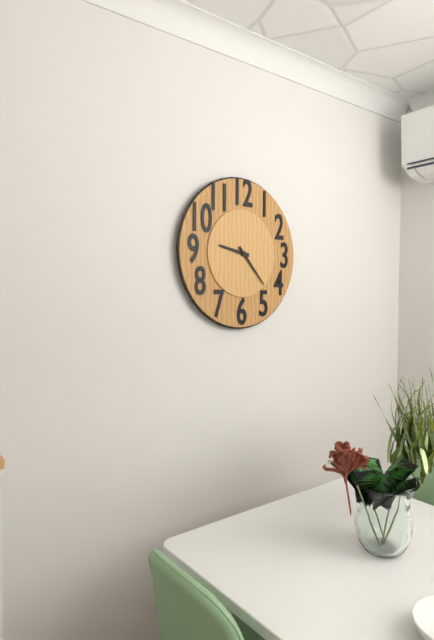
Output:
9:23
